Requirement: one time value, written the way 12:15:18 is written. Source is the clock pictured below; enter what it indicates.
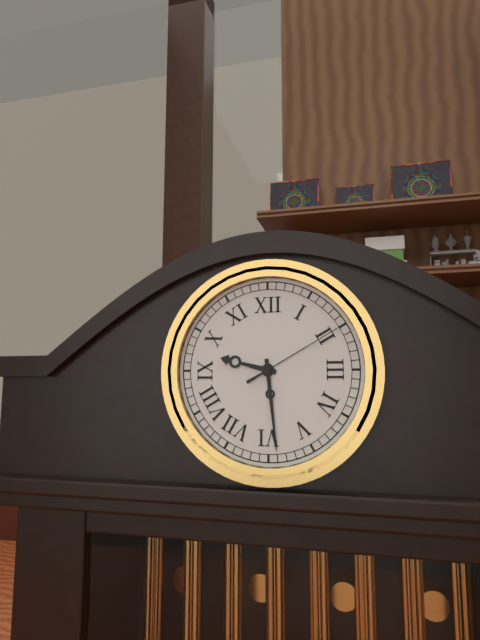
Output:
9:29:10
